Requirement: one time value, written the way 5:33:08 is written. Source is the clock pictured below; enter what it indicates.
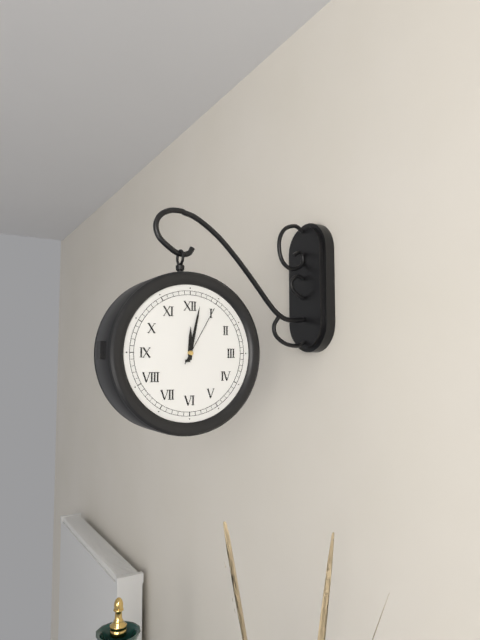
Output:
12:02:05
